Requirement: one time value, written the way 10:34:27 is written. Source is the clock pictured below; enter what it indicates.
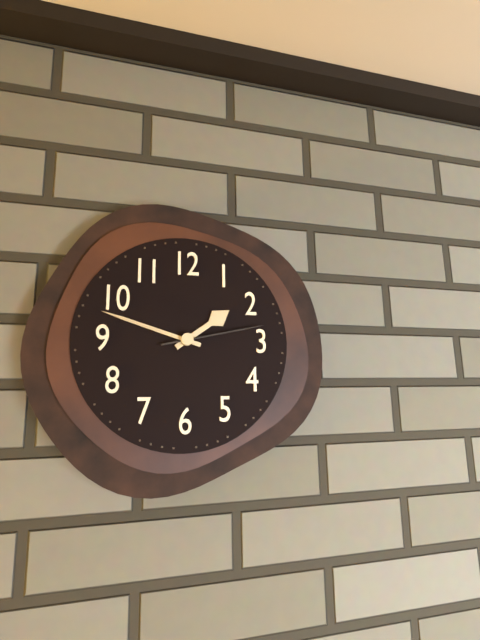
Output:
1:48:13
